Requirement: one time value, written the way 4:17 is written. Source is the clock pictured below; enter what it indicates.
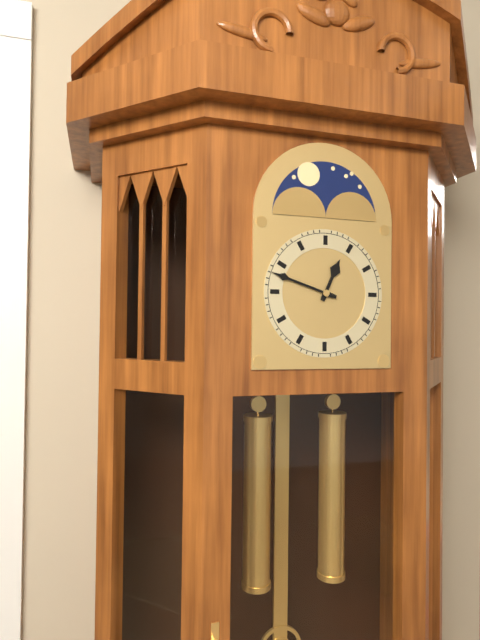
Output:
12:48
